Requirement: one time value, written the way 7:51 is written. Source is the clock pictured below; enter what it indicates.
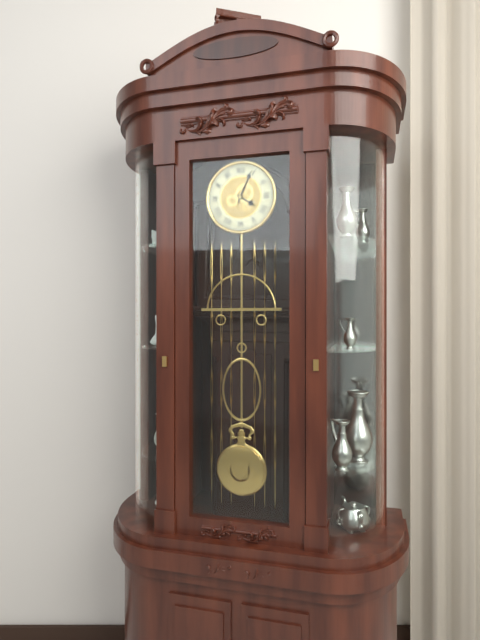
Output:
4:04
